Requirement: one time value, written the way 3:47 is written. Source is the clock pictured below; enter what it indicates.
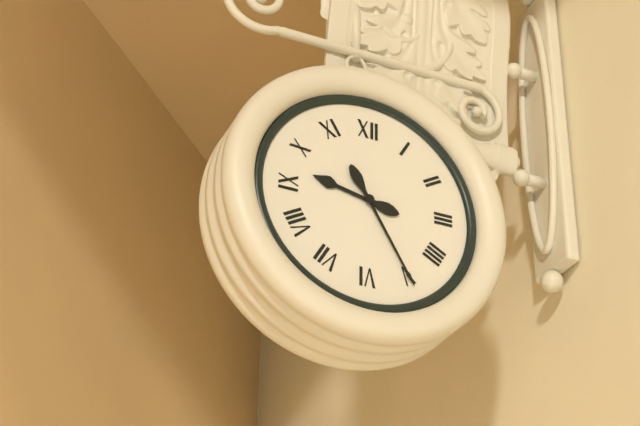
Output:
9:25
